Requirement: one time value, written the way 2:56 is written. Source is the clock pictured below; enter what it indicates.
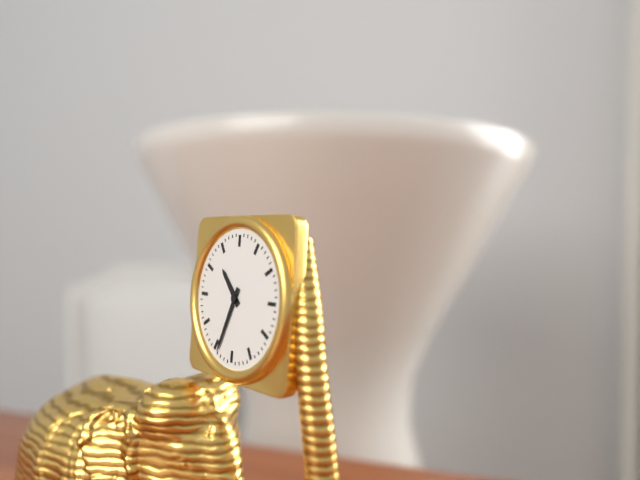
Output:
10:34
